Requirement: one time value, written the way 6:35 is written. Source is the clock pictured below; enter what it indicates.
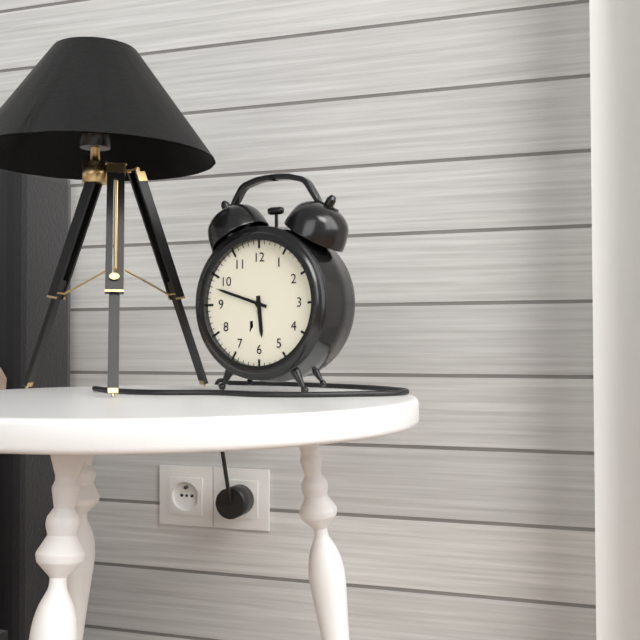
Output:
5:48
